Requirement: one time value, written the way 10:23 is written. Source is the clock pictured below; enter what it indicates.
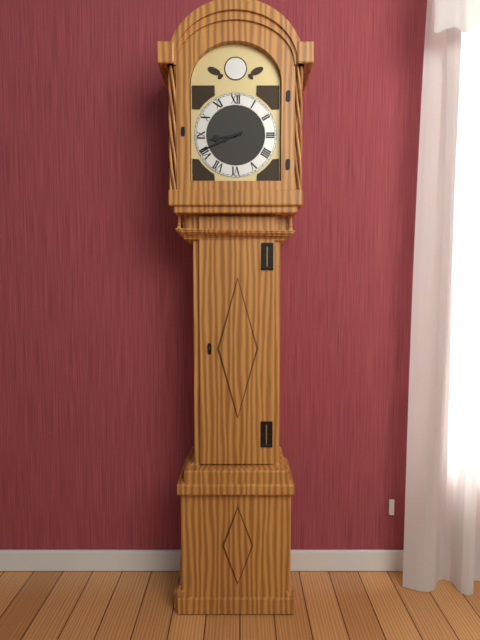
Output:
8:41
